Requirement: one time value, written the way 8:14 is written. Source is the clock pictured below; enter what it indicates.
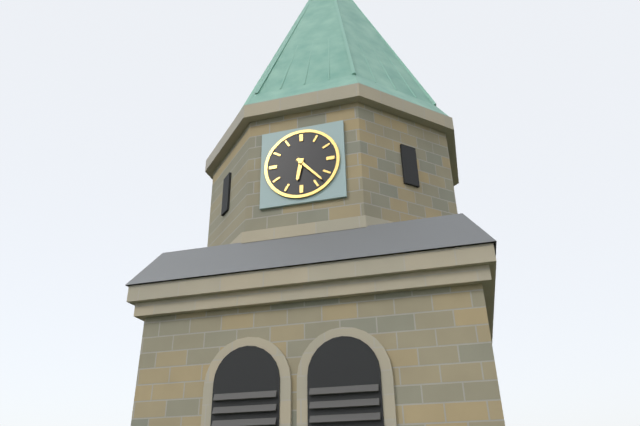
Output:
6:23
